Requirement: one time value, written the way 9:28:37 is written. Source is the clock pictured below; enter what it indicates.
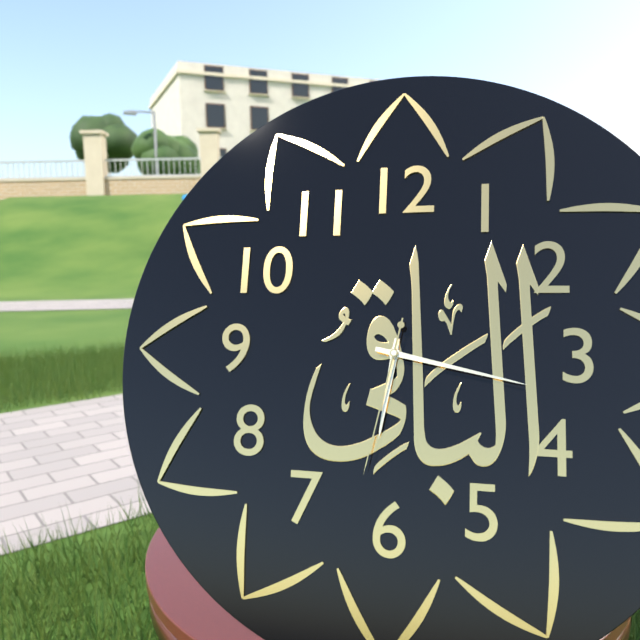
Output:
6:17:32
